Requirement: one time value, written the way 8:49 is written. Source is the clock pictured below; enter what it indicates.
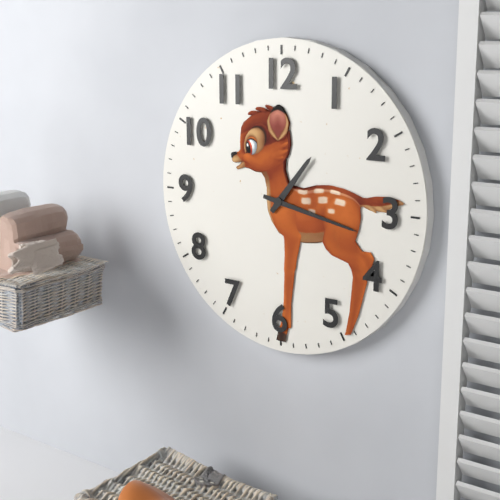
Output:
1:17
